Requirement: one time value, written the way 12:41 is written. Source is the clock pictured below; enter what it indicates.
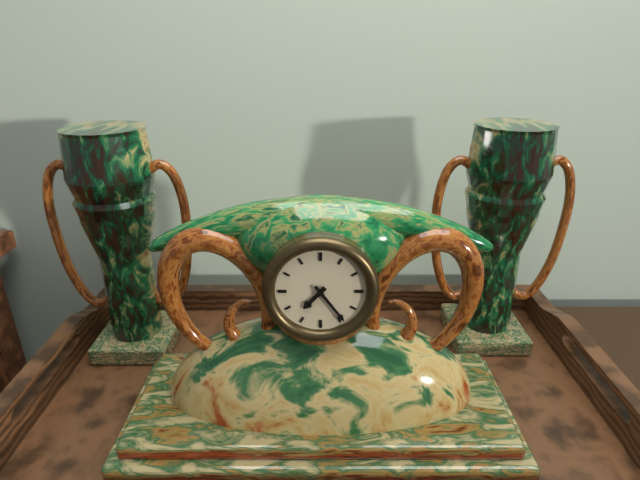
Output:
7:24
